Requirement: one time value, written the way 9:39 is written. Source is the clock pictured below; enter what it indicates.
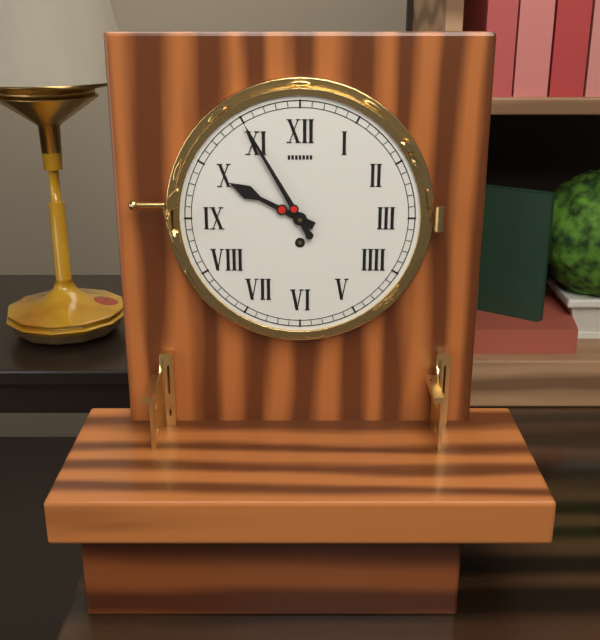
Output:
9:55
